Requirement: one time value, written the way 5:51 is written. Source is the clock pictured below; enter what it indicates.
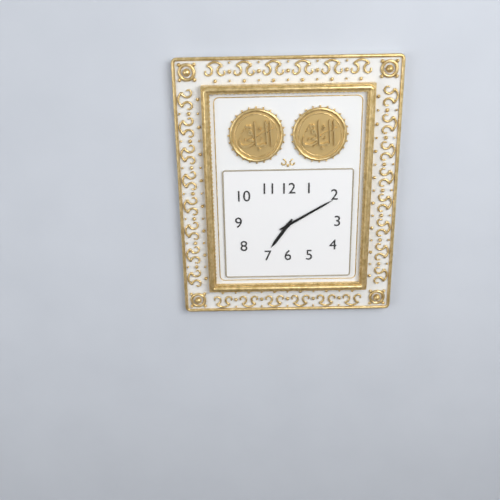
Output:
7:10
